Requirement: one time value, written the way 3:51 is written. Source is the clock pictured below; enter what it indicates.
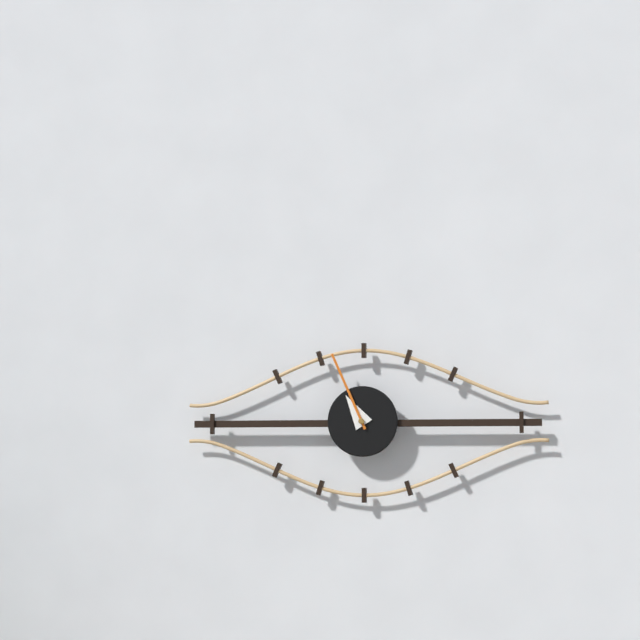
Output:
10:56
